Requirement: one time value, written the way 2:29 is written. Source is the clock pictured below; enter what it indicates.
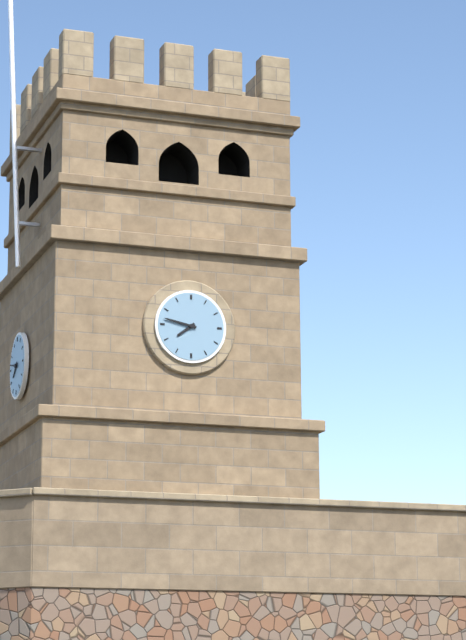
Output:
7:47
